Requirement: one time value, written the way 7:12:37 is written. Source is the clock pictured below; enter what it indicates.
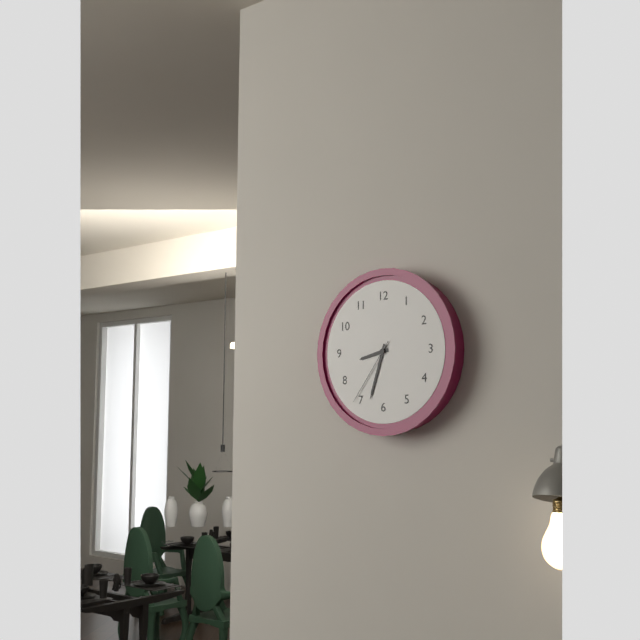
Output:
8:33:36
